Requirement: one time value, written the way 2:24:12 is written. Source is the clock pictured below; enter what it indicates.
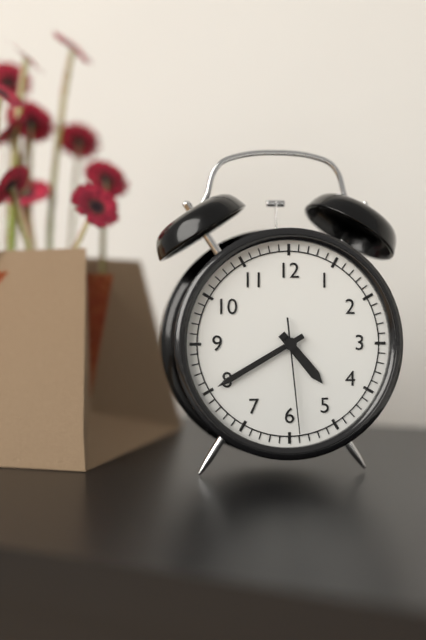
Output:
4:40:29
